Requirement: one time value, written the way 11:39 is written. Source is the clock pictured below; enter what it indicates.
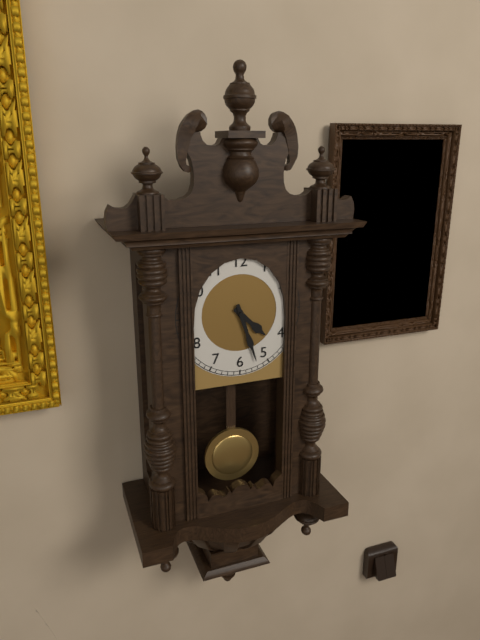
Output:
4:27
